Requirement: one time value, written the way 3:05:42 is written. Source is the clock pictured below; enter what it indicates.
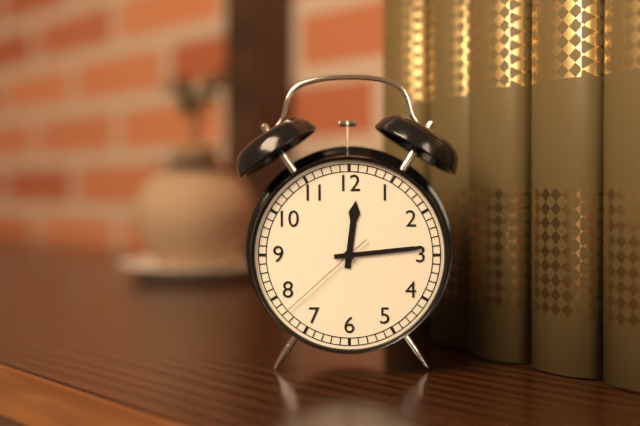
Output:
12:14:38
